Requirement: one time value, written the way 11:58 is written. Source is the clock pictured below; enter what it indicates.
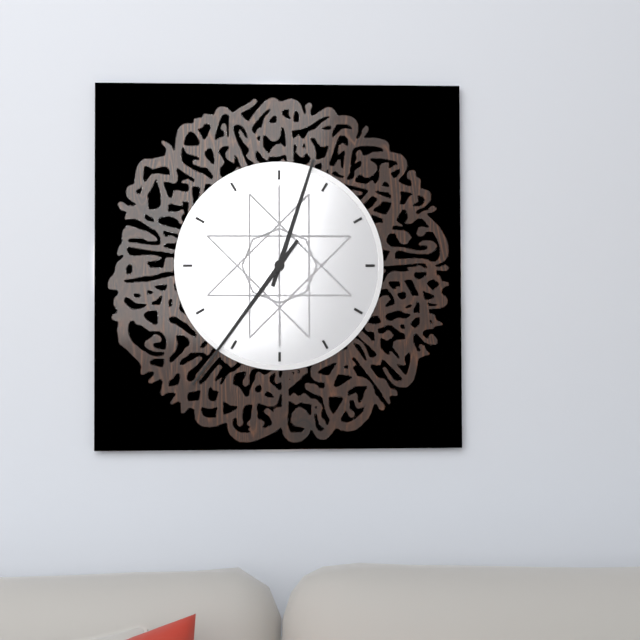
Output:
12:36
